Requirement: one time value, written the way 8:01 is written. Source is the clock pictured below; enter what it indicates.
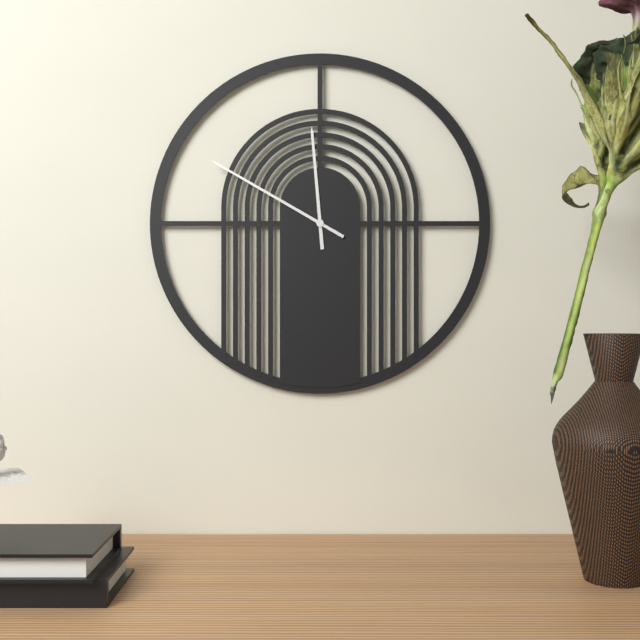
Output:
11:50
